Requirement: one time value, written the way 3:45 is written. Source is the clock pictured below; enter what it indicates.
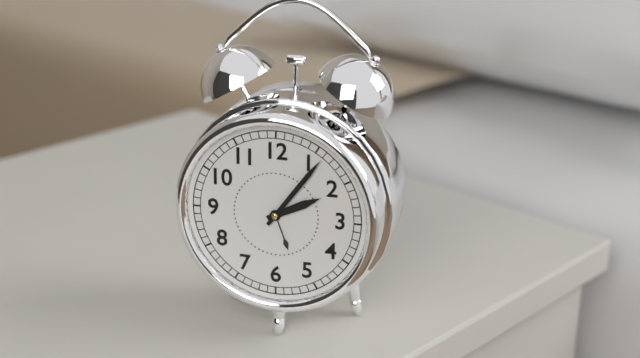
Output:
2:06
